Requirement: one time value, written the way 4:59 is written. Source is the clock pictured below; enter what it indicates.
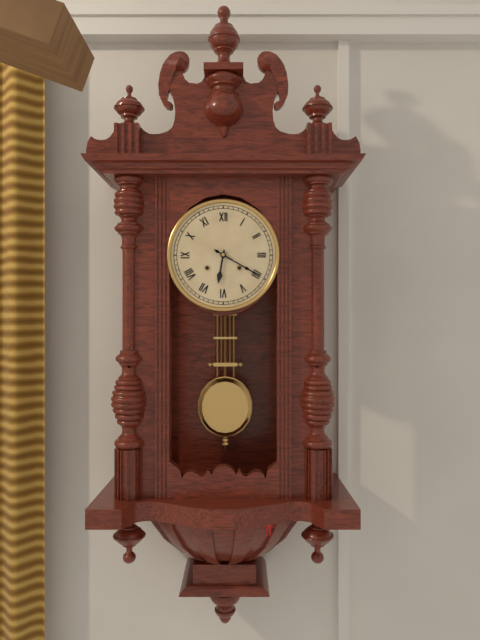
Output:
6:20
